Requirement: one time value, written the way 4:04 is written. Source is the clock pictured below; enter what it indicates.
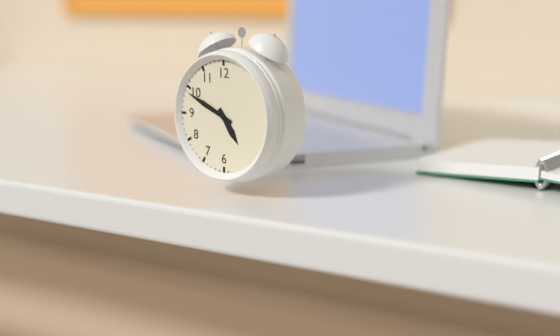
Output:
4:49
